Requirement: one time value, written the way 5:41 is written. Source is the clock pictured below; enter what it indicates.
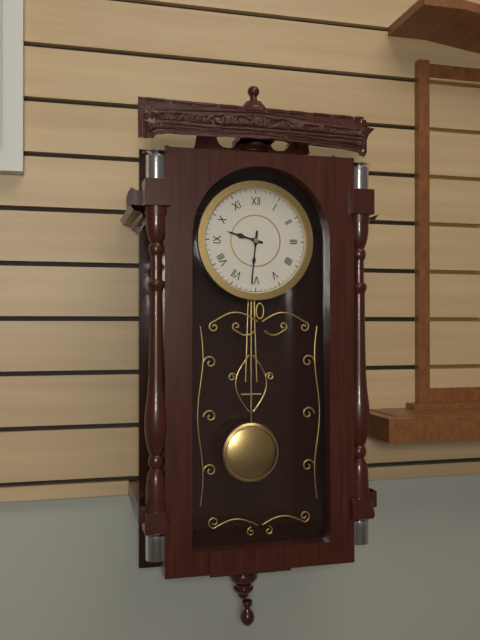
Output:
9:31
